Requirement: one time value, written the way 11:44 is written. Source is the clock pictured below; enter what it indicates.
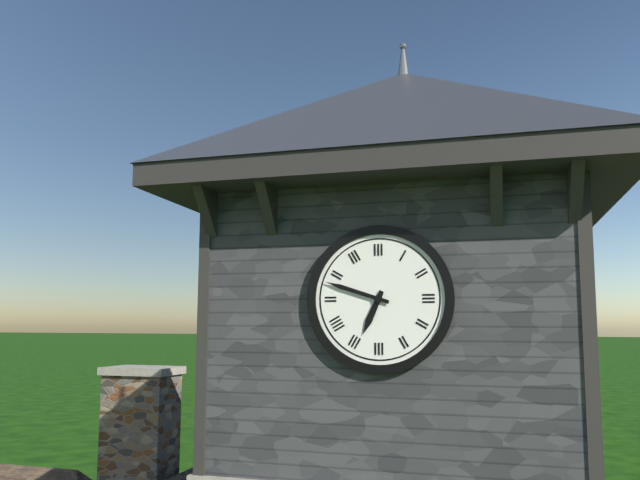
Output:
6:48
